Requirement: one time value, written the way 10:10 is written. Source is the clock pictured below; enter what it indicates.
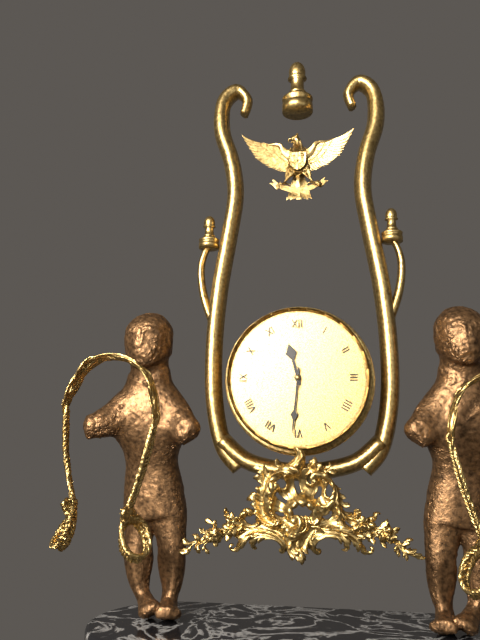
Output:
11:31
